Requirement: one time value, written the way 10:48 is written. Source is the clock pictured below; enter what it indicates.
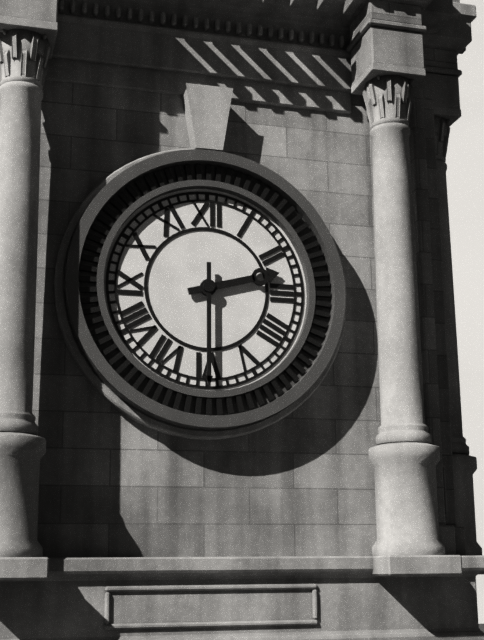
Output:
2:30
